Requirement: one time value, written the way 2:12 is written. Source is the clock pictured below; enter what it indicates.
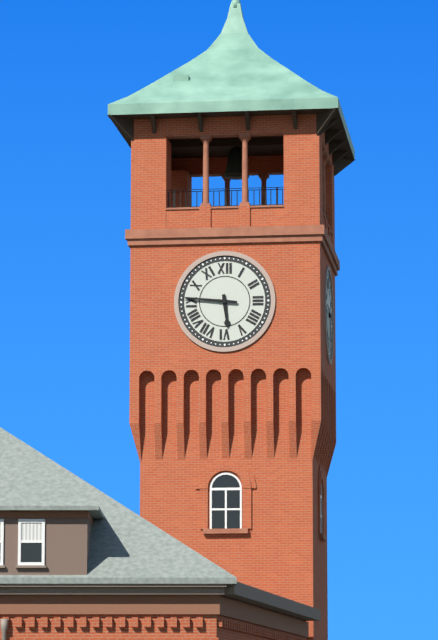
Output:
5:46
